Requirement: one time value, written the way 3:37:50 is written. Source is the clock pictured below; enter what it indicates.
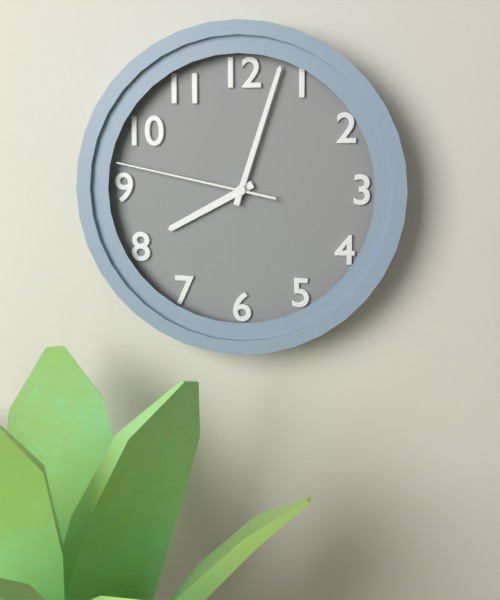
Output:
8:03:47
